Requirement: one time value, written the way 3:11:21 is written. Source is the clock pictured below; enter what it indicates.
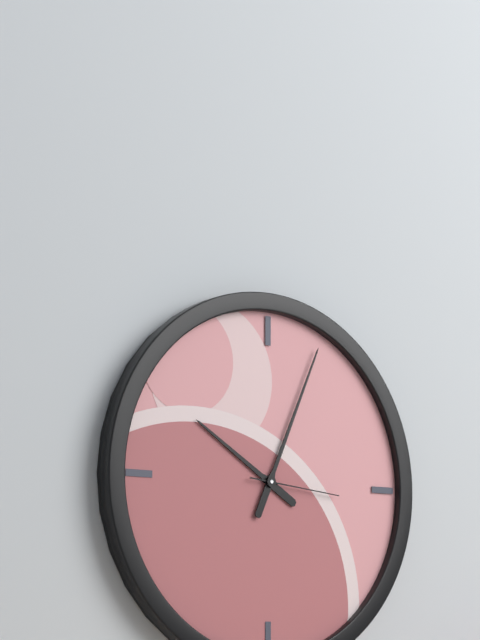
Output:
10:04:16
